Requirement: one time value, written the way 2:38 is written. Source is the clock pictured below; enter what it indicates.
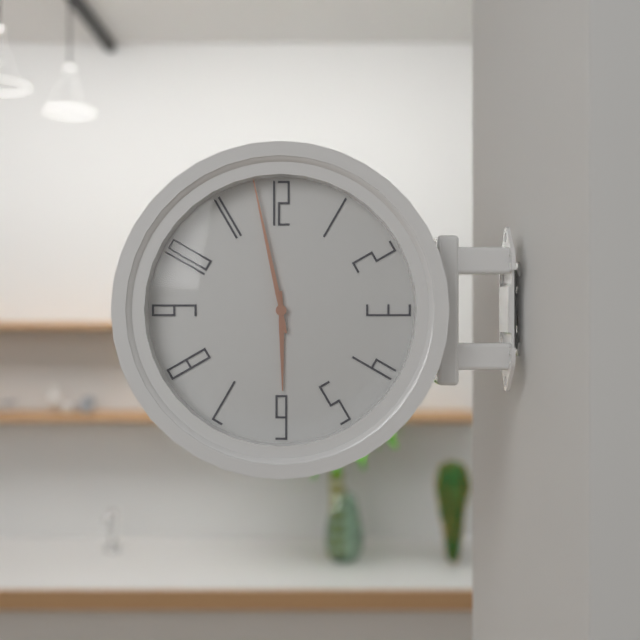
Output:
5:58
